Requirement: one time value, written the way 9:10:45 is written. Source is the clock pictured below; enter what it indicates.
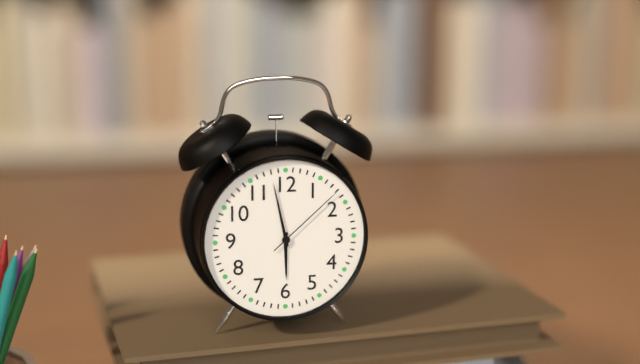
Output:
5:58:08
